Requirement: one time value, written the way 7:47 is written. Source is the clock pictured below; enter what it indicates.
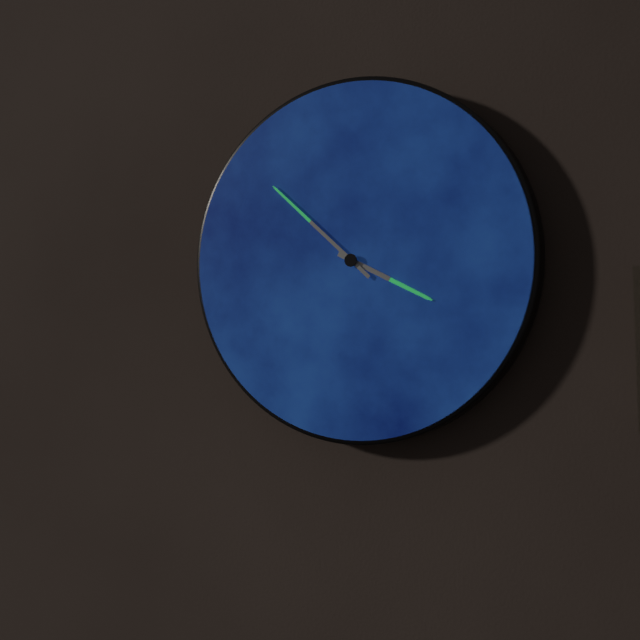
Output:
3:52
